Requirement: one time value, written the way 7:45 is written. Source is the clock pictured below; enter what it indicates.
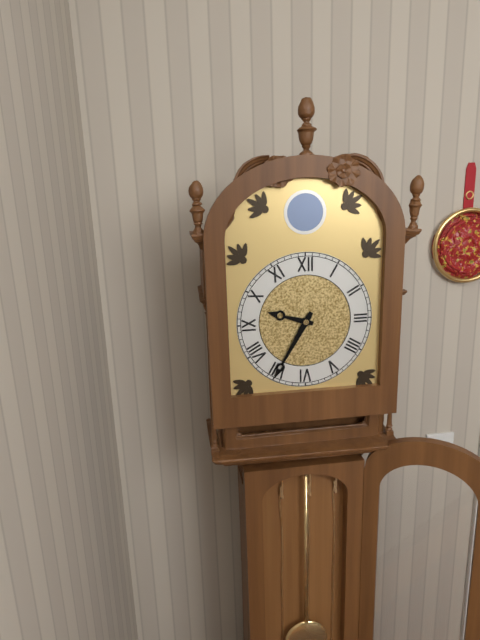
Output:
9:35
